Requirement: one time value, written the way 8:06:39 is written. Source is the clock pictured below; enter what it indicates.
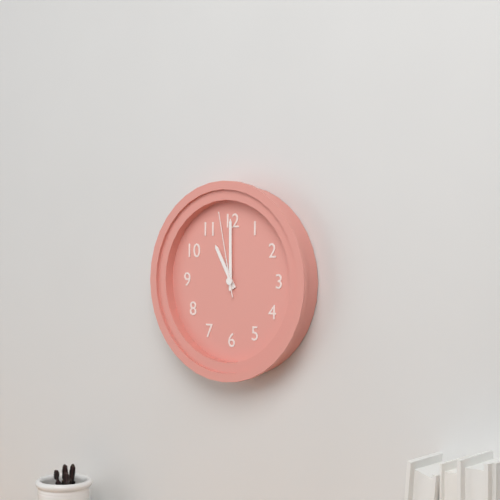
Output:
11:00:58
